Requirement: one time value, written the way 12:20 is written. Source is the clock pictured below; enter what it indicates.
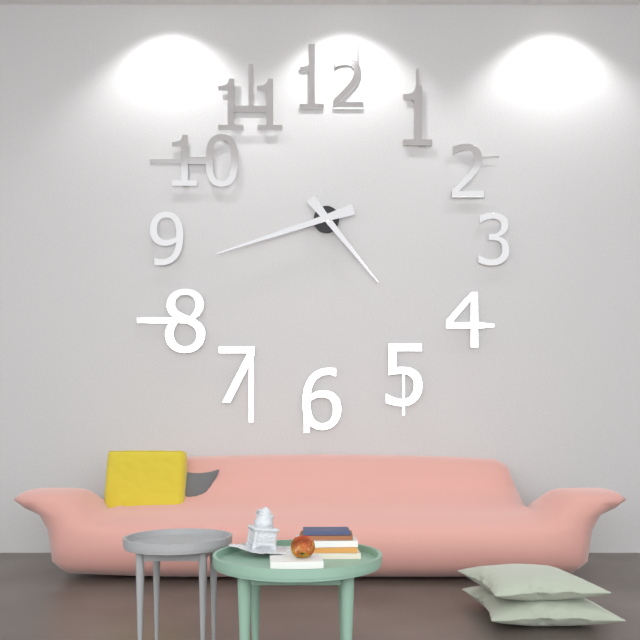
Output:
4:42
